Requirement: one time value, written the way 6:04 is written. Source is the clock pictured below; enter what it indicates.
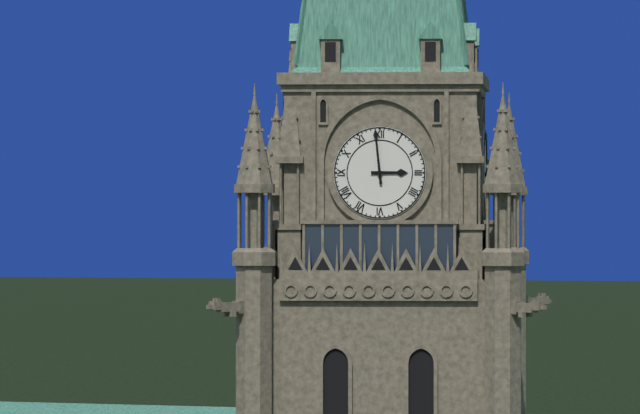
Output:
2:59
